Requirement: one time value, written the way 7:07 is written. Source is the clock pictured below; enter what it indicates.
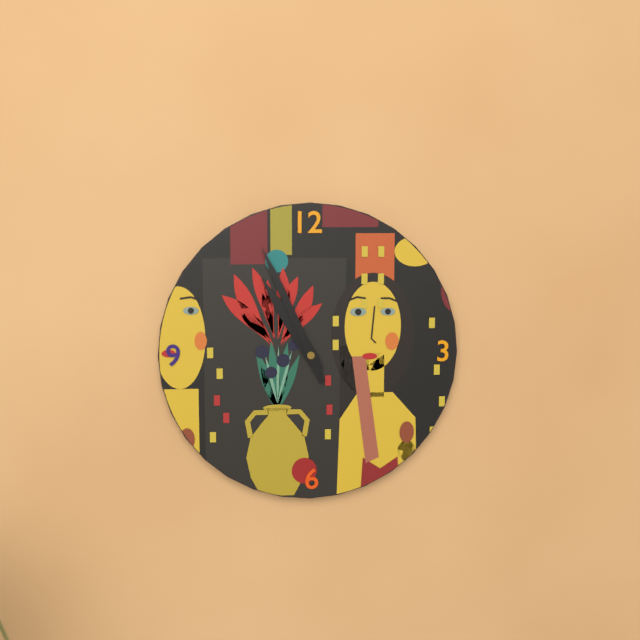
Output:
10:56
